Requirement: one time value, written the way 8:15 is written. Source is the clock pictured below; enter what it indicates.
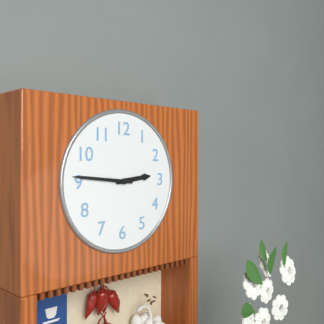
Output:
2:46
